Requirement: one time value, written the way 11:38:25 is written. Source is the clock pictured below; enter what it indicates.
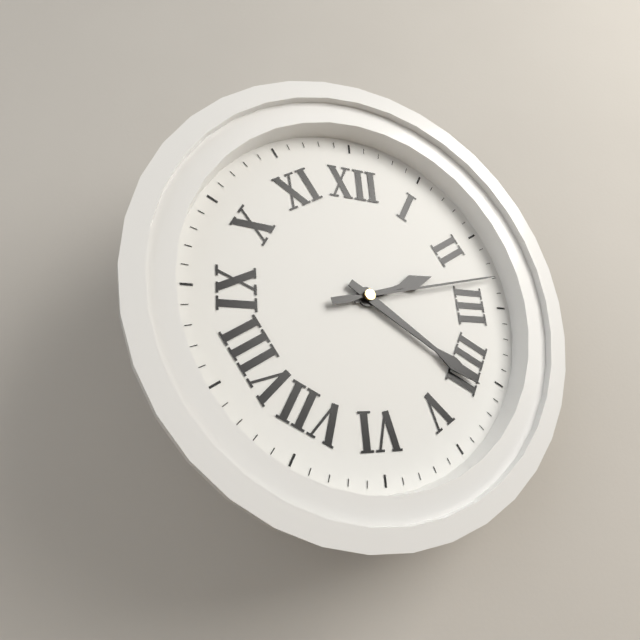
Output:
2:21:13
